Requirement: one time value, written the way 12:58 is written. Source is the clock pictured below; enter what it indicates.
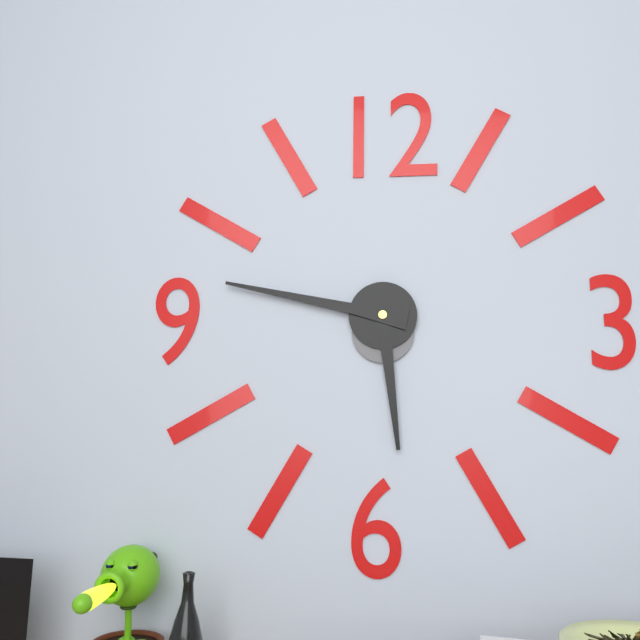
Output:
5:47
